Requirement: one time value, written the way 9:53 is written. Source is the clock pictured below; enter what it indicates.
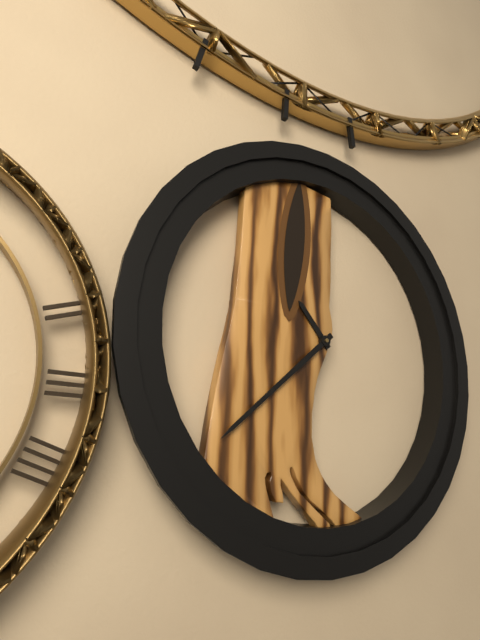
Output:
10:38
